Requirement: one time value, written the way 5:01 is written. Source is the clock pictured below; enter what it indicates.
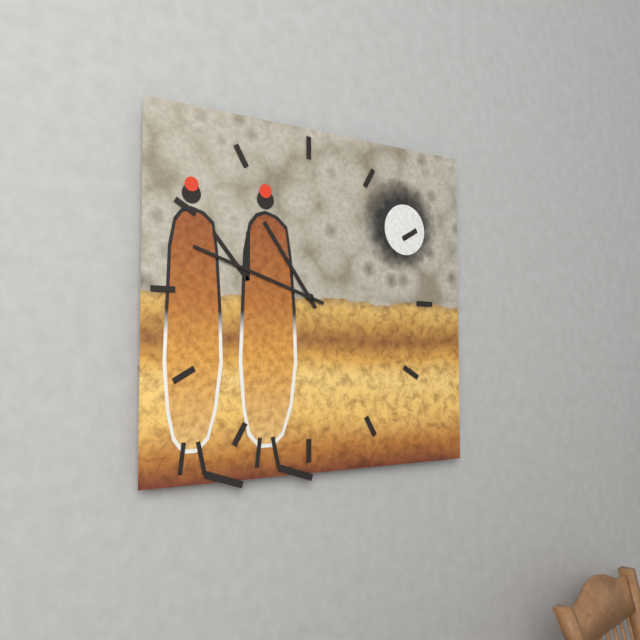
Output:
10:48
